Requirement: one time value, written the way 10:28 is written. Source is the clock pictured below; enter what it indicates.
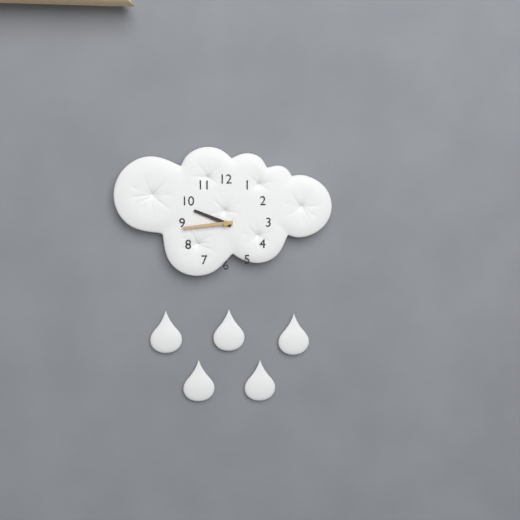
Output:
9:44
